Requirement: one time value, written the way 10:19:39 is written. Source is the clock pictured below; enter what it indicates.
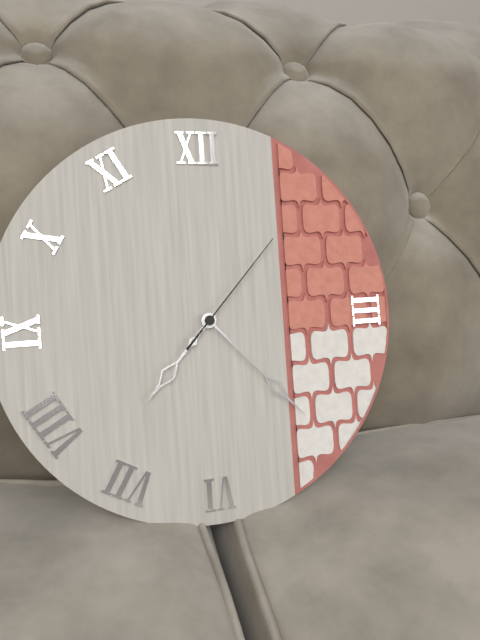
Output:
7:23:07
